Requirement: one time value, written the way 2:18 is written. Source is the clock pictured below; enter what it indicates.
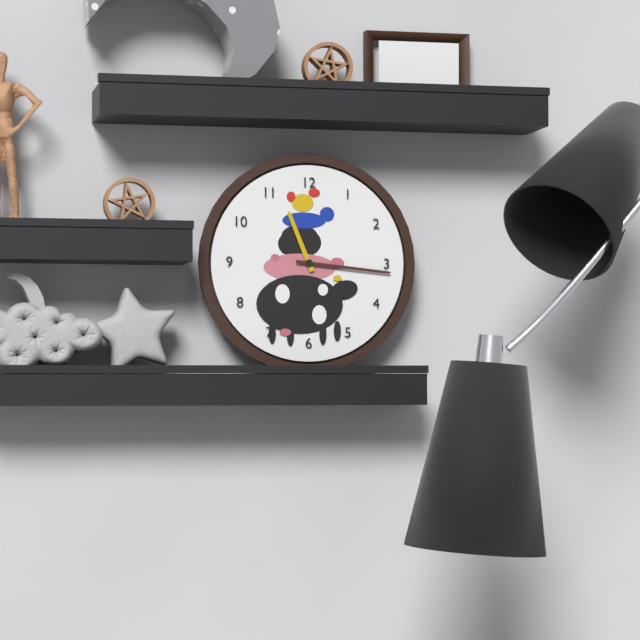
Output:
11:16
